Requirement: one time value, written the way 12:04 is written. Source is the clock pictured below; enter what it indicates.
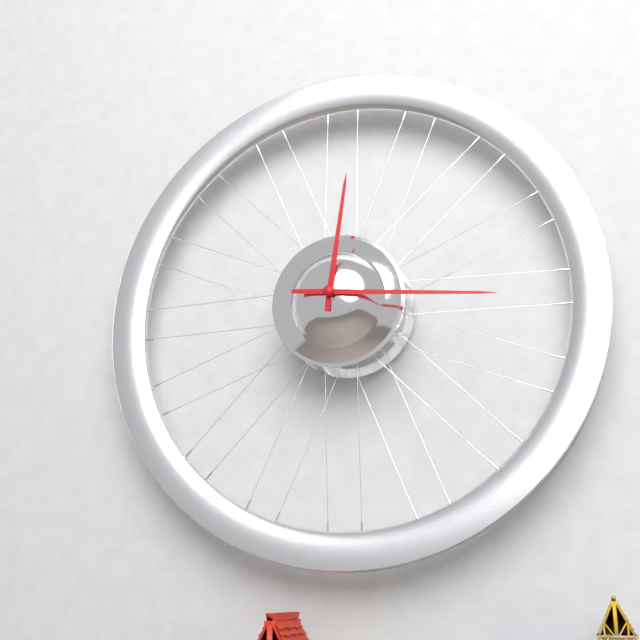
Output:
12:16
